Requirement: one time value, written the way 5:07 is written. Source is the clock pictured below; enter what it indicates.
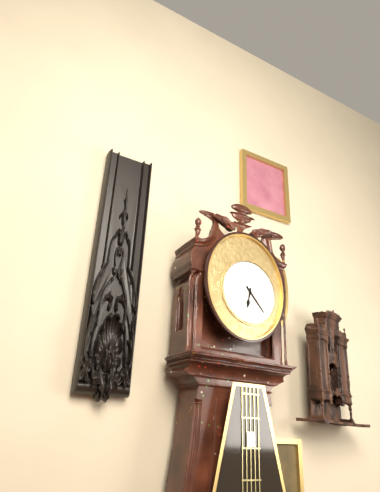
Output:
6:23
